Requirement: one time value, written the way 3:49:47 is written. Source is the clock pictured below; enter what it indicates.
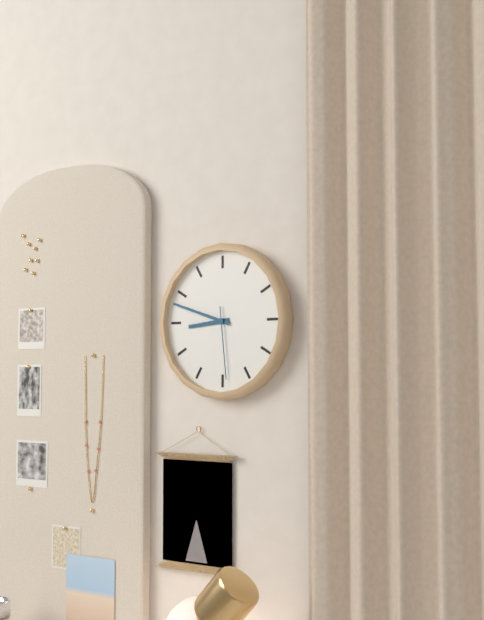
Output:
8:48:29
